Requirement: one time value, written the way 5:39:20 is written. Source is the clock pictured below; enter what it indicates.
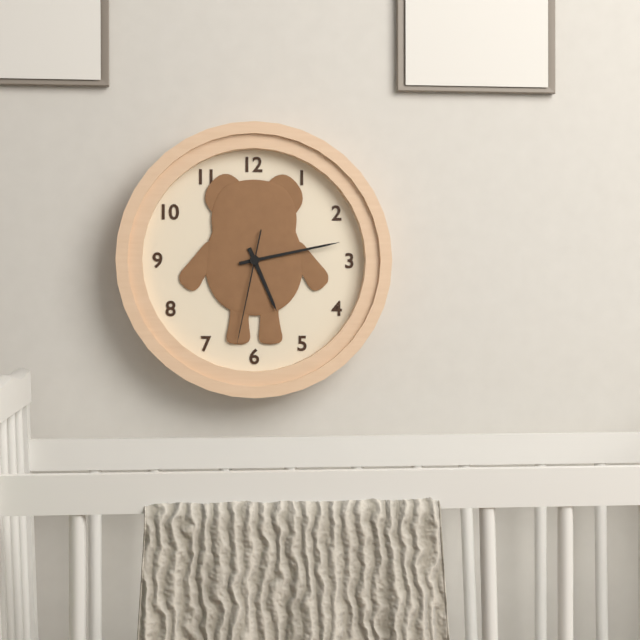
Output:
5:13:32
